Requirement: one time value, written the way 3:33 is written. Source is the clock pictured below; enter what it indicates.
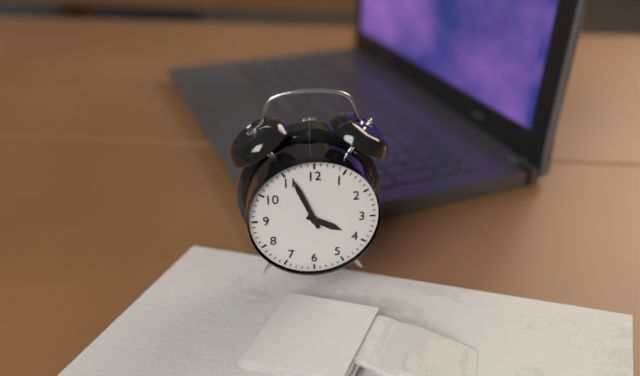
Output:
3:56
